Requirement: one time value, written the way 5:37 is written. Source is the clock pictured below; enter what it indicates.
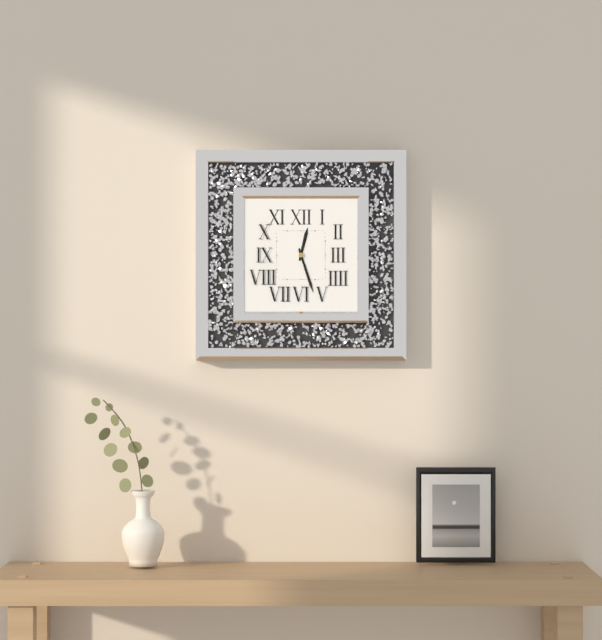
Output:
12:27
